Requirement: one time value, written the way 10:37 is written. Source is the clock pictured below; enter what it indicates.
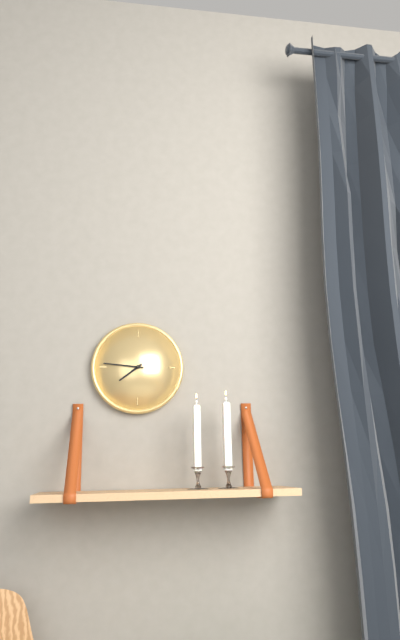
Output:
7:46
